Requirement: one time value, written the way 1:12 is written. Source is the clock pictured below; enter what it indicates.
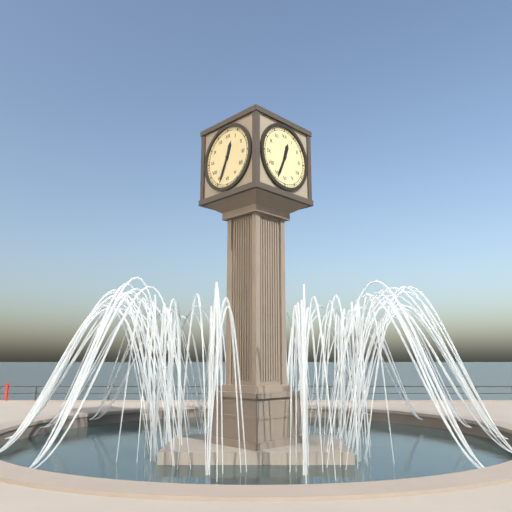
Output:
12:34
